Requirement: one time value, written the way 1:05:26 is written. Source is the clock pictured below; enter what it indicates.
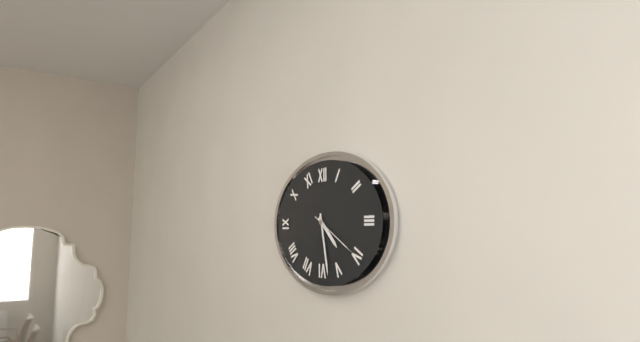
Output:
4:28:20
